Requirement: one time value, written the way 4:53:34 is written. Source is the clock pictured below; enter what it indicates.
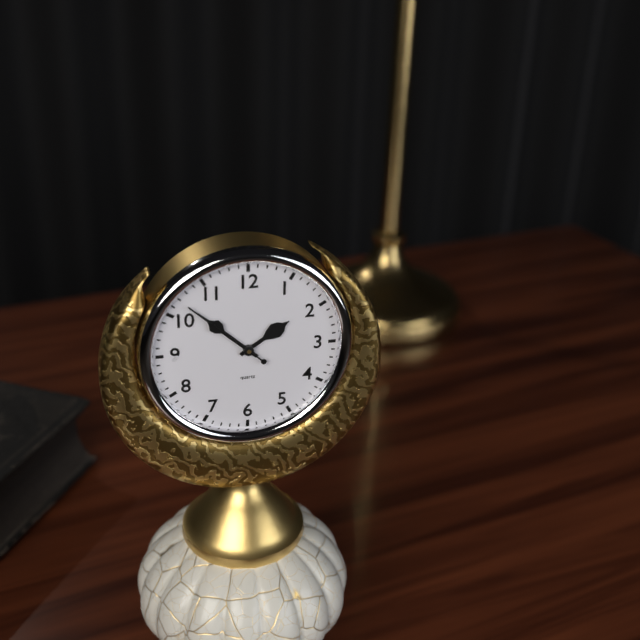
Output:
1:52:52
